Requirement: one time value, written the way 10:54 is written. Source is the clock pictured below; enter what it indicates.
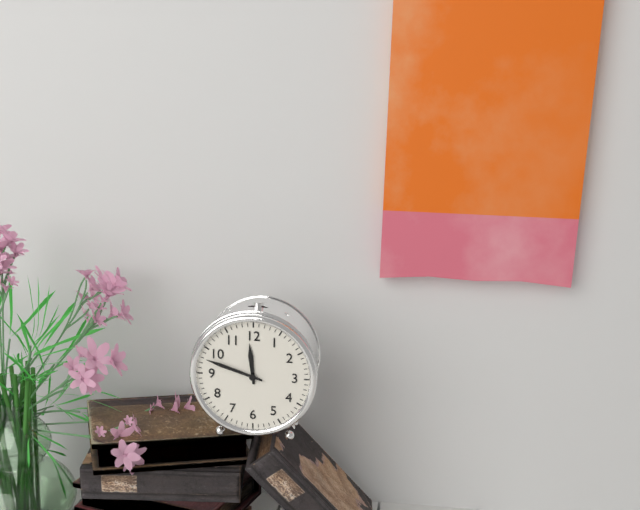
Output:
11:48
